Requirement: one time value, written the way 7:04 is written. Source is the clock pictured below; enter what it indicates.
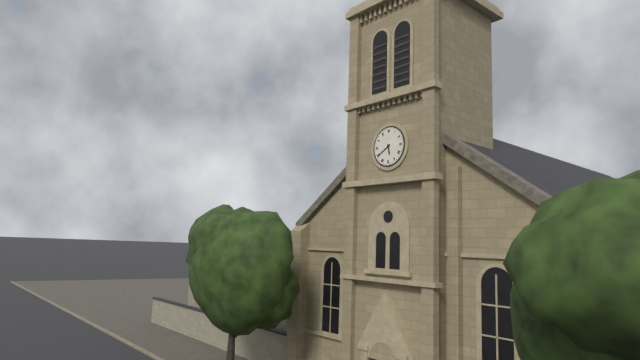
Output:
5:40
